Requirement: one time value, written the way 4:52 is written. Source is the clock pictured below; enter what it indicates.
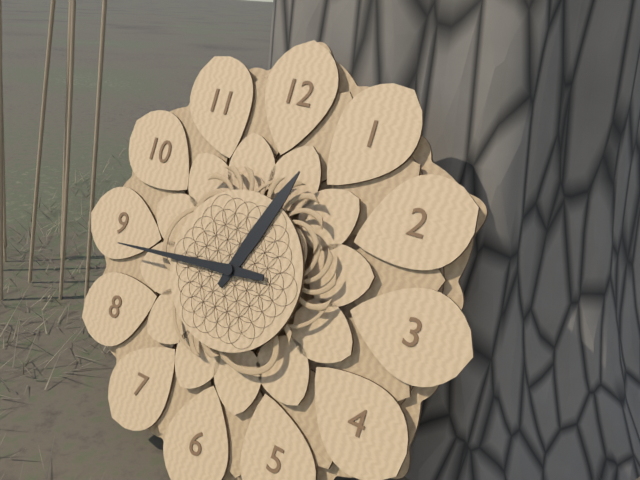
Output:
12:44
